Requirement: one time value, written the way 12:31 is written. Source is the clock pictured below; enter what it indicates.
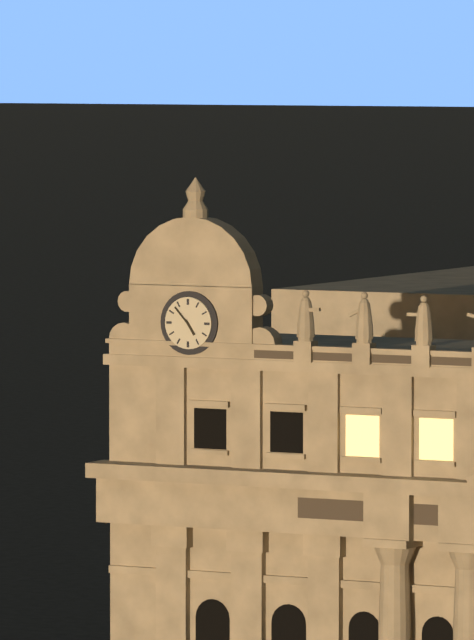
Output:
4:53
